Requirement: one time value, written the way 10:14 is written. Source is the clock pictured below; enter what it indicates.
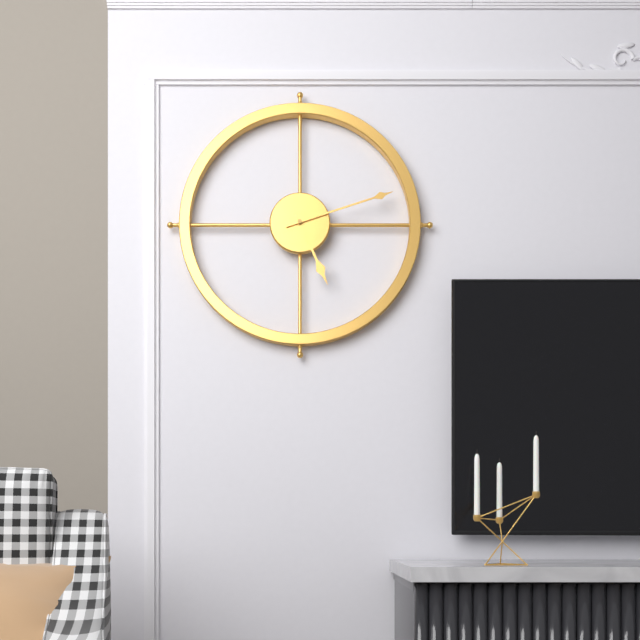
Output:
5:12
